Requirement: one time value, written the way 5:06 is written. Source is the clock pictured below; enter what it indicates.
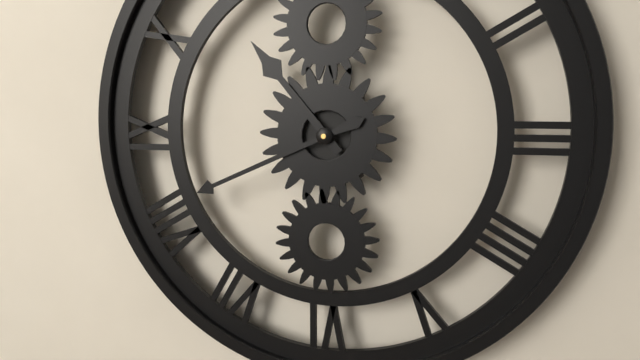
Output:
10:41
